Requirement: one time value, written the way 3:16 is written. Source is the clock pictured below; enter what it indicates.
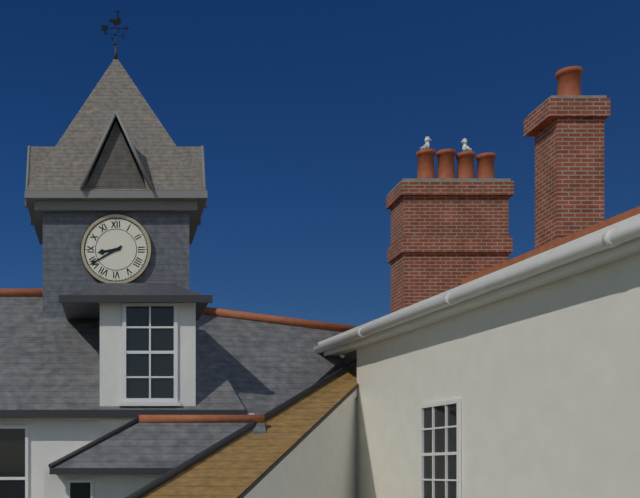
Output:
8:40
